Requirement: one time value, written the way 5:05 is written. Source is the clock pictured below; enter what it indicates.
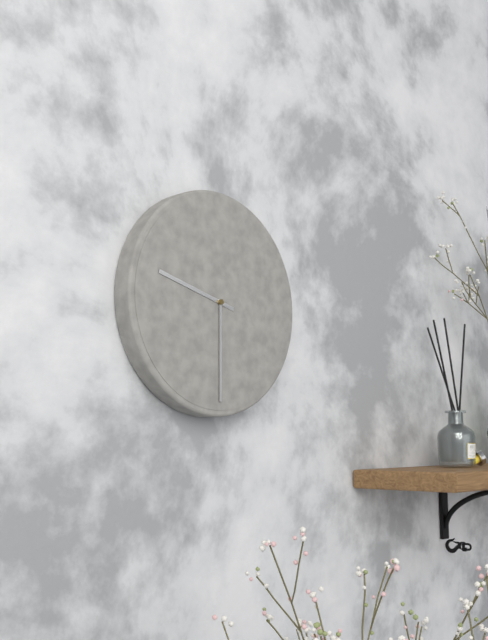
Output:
9:30
